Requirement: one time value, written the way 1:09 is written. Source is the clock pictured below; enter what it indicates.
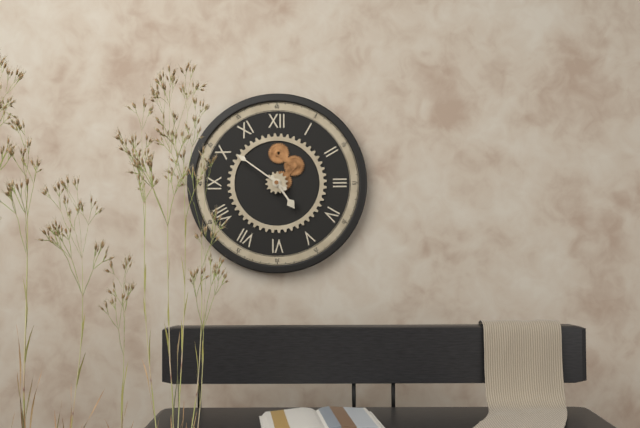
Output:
4:51
